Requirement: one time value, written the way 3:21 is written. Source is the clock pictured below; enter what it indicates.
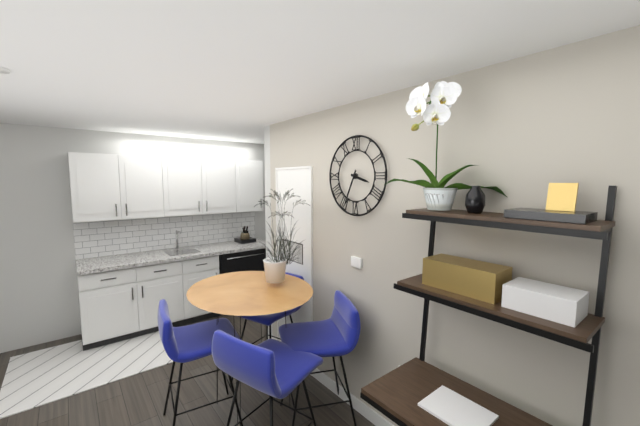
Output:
3:34
